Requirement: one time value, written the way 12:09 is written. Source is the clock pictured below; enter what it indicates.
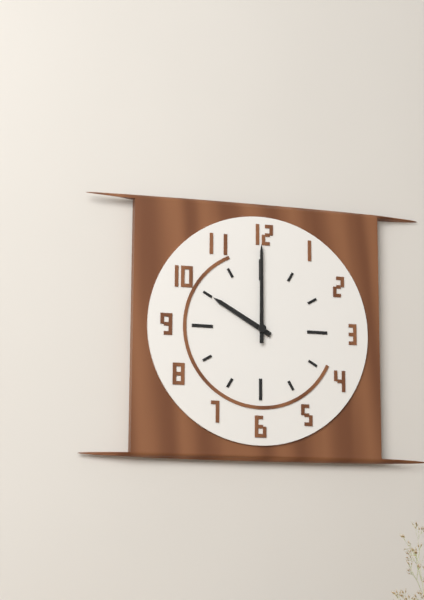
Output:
10:00
